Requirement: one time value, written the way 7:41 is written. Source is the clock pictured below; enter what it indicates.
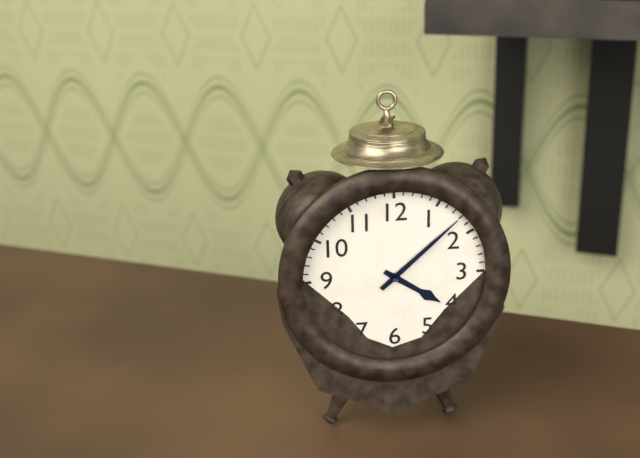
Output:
4:08
